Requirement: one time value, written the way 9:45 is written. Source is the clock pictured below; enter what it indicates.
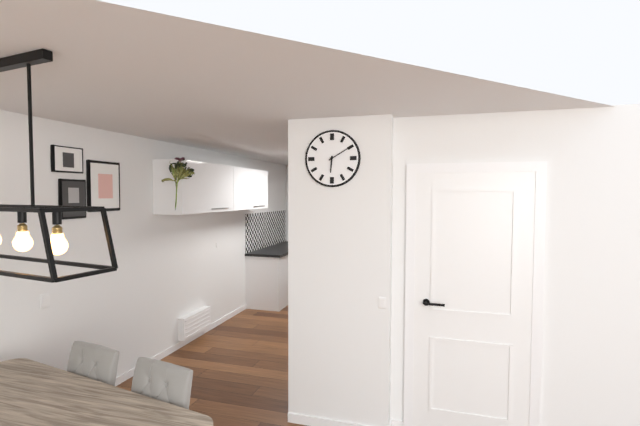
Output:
6:10
